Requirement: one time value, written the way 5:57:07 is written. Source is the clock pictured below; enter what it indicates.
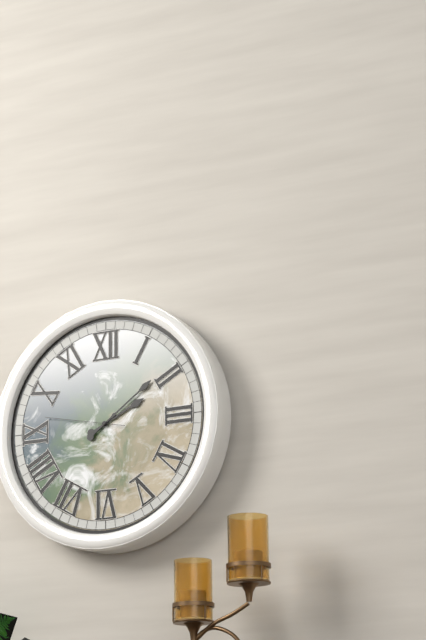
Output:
2:09:47
